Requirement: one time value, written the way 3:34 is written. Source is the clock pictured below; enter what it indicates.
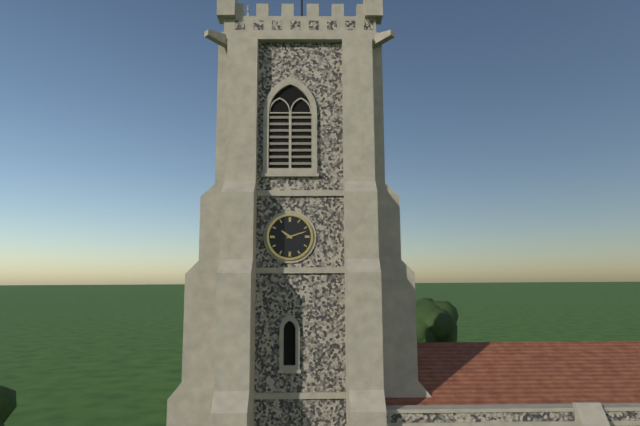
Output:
10:12
